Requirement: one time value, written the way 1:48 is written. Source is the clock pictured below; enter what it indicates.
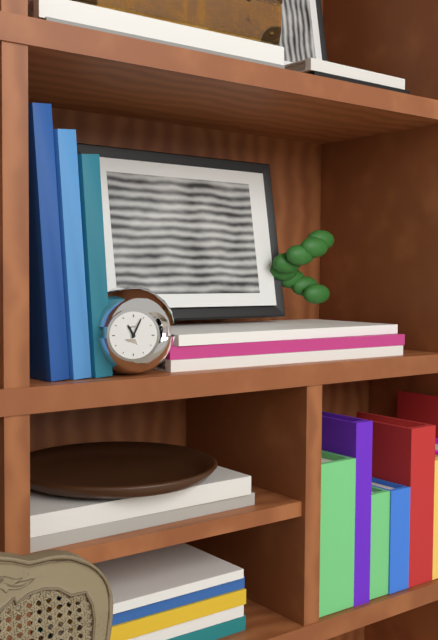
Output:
11:04
